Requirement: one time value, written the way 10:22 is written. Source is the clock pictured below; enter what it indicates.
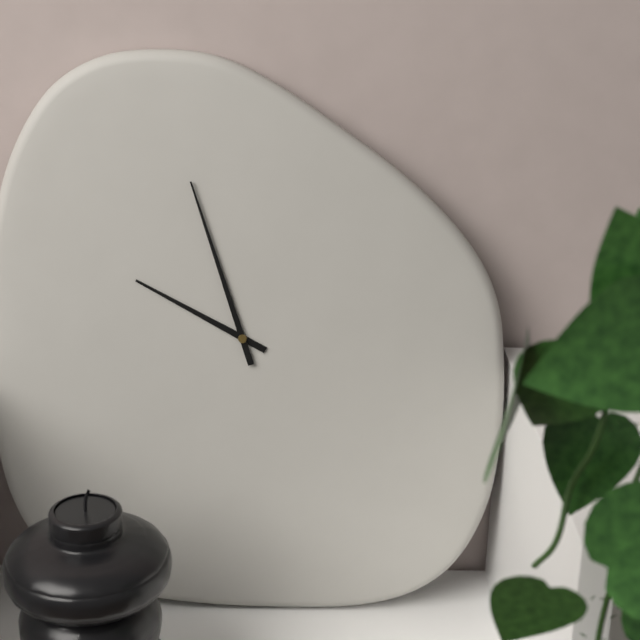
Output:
9:57
